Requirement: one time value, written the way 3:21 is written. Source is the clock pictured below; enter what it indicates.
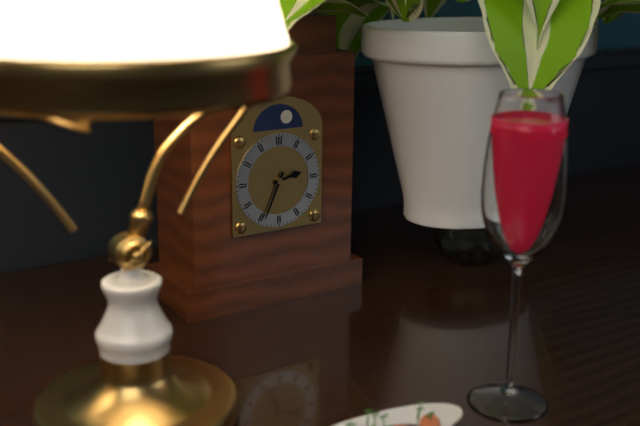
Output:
2:34
